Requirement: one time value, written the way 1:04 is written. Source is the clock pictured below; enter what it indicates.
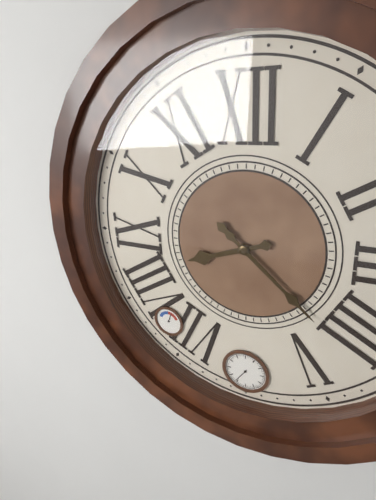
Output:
8:22
